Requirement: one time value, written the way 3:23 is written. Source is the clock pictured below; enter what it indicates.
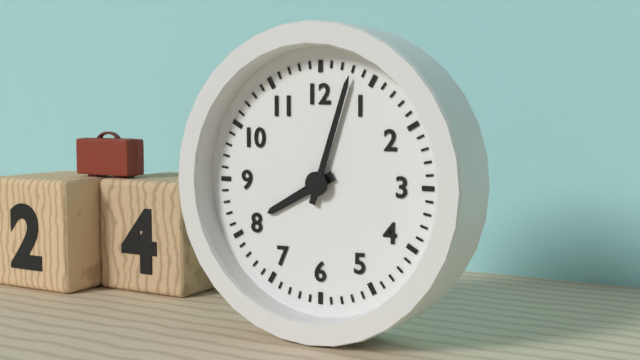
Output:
8:03
